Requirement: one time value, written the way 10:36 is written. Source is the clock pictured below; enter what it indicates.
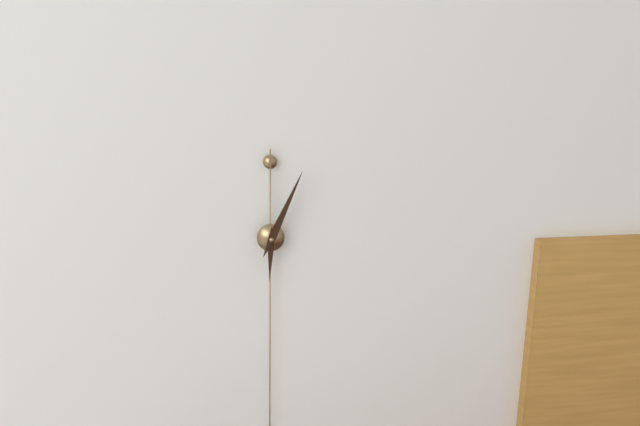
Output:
6:04
